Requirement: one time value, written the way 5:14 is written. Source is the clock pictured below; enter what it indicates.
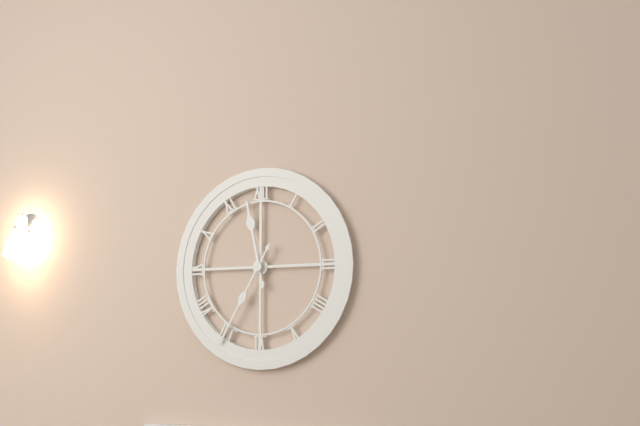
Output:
11:35
